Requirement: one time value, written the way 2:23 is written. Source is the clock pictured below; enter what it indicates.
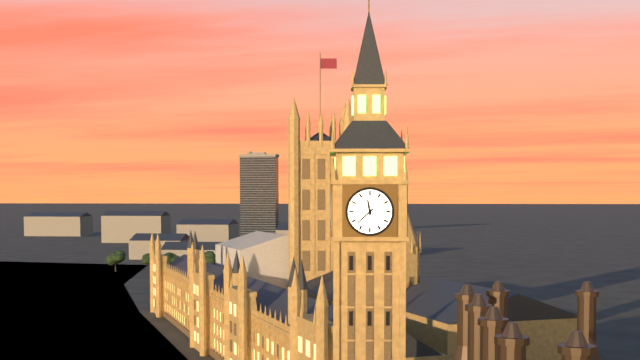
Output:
11:38
